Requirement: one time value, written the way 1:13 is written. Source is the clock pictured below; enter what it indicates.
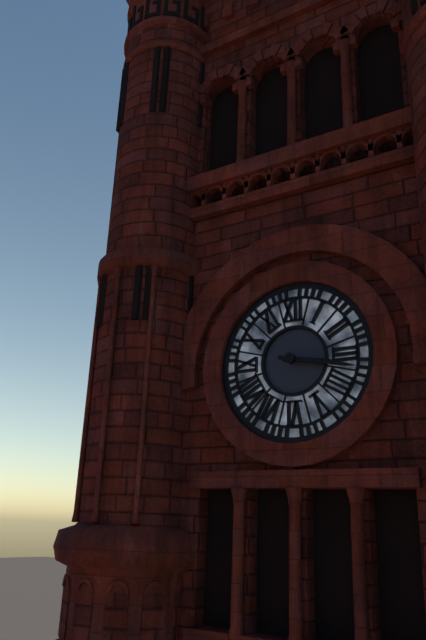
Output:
3:17
